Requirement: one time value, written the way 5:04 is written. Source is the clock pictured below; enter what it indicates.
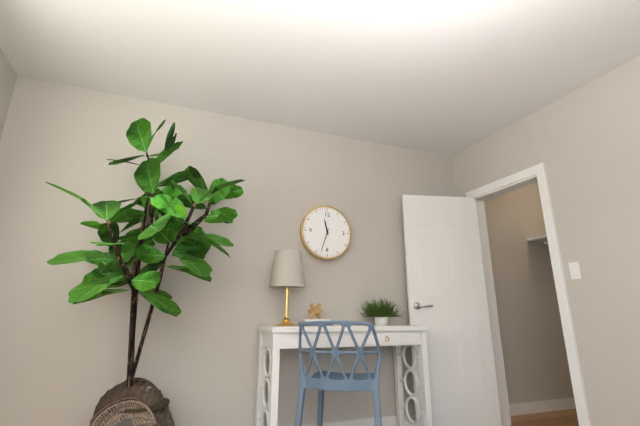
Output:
11:33
